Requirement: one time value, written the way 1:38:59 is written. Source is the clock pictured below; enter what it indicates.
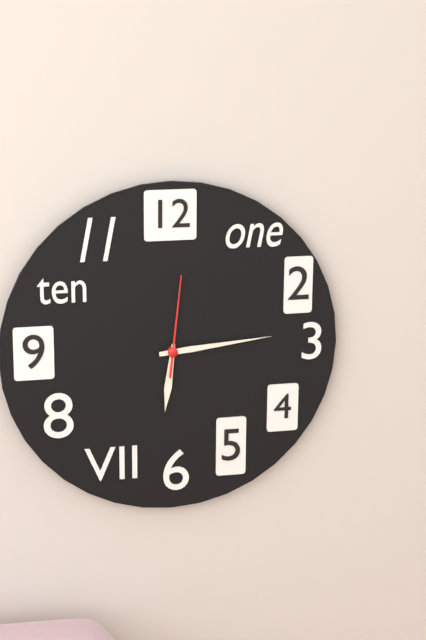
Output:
6:14:01
